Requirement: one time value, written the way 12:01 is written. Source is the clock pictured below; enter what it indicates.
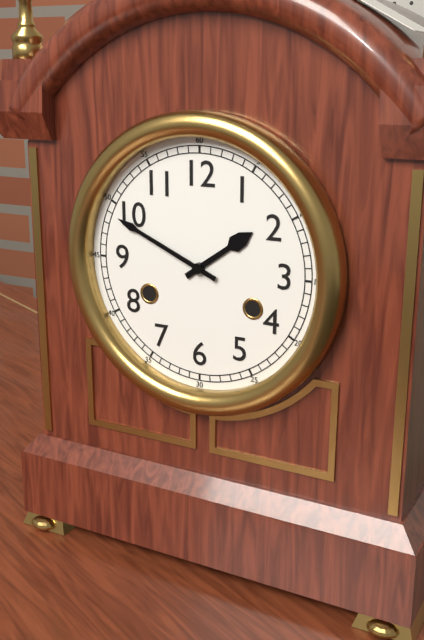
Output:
1:49
